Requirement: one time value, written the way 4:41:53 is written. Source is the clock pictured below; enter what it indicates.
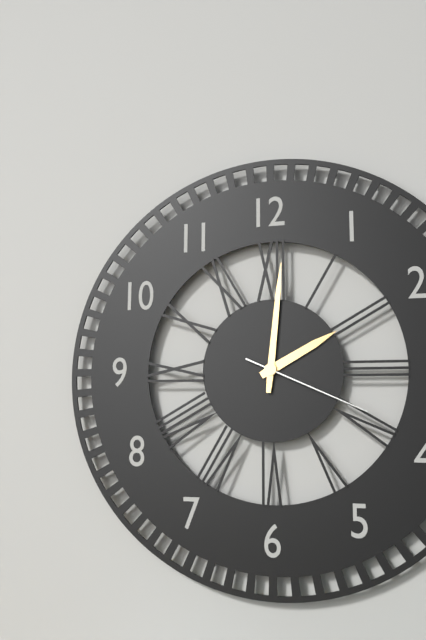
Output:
2:01:19
